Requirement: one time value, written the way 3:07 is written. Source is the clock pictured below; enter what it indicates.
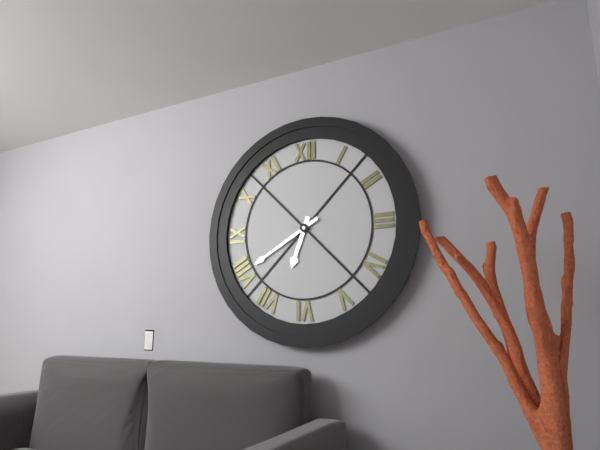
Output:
6:40
